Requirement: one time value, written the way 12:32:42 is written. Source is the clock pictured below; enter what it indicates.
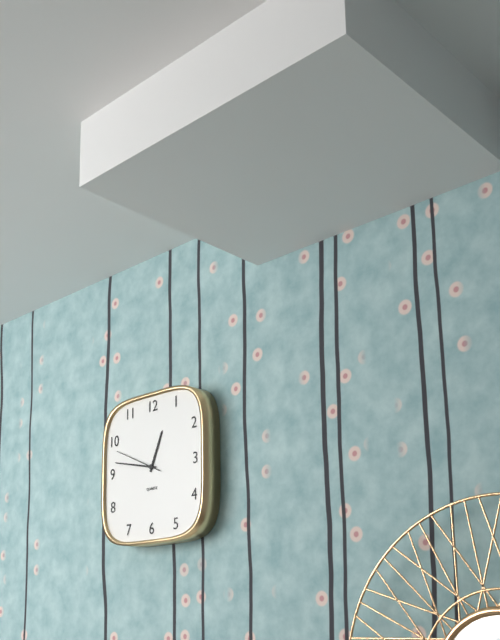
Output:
12:47:49
